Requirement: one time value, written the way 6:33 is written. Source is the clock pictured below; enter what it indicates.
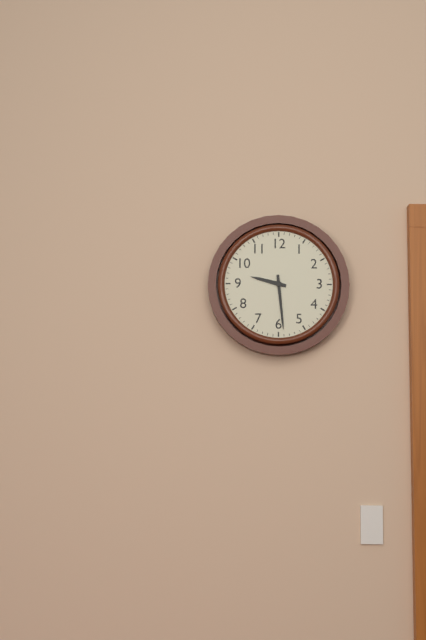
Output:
9:29
